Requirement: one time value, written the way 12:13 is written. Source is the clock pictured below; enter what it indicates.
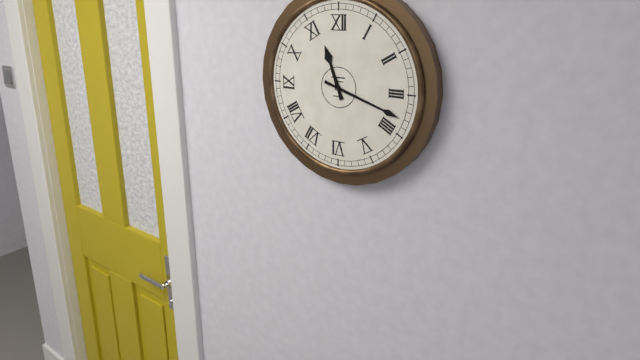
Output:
11:18
